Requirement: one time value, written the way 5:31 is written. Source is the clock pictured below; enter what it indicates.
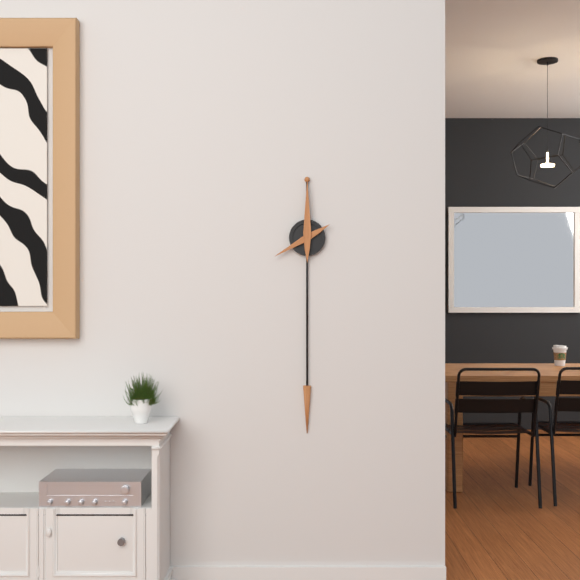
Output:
8:00
